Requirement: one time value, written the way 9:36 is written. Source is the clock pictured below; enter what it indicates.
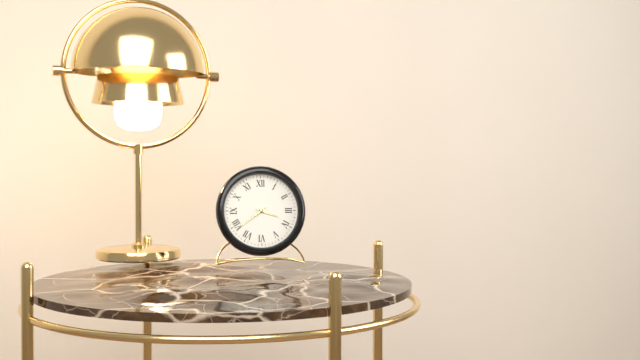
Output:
3:39
